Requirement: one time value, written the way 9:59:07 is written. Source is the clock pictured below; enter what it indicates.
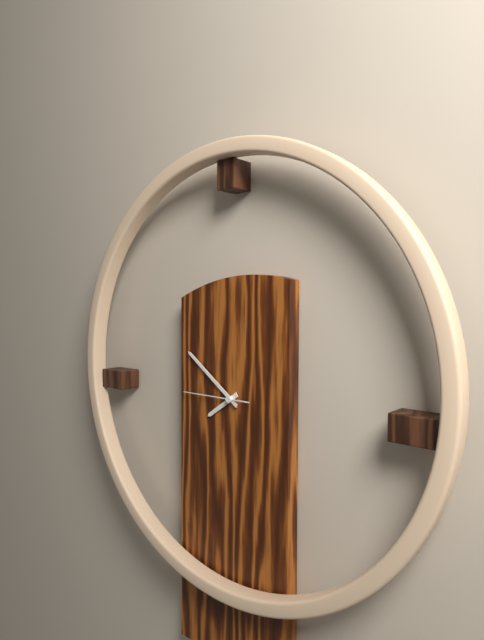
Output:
7:51:45
